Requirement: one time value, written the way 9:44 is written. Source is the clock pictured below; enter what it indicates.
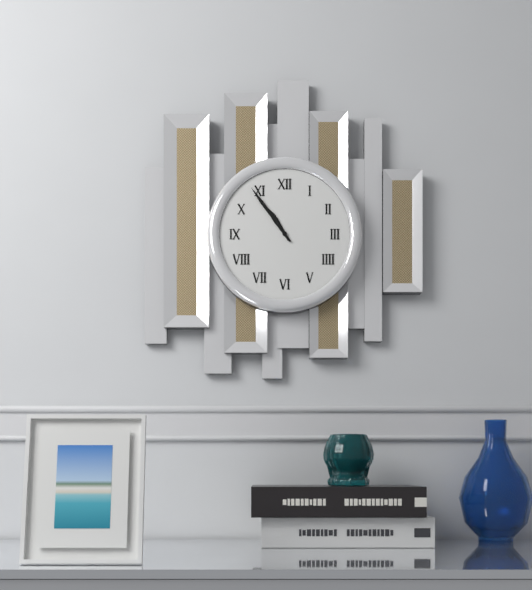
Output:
10:54
